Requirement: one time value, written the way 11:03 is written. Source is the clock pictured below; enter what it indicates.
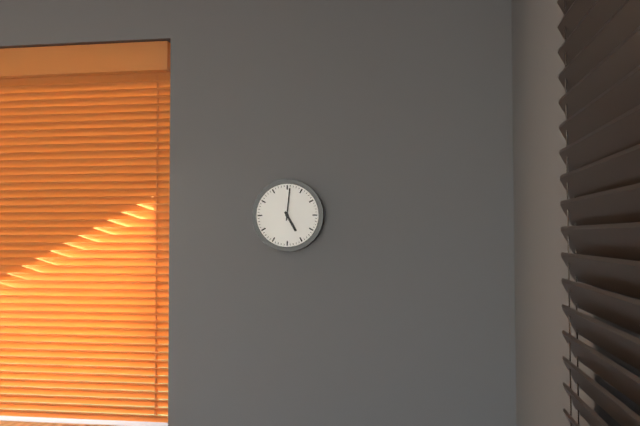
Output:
5:01
